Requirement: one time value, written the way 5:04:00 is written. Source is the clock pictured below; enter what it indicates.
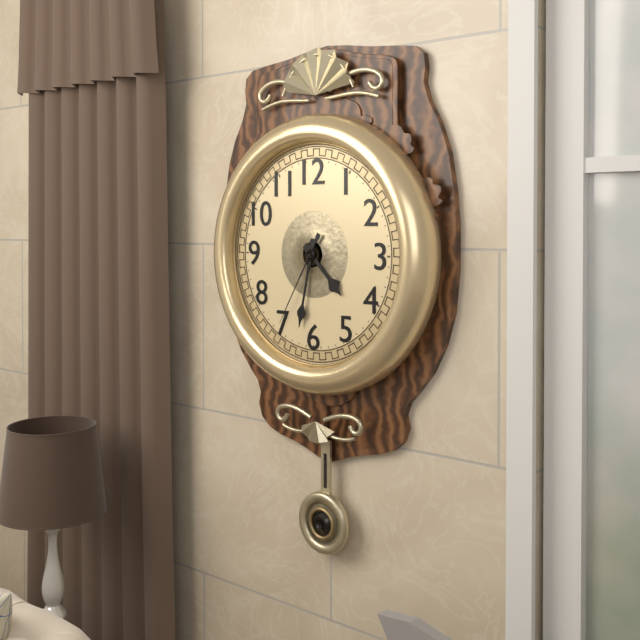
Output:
4:32:35
